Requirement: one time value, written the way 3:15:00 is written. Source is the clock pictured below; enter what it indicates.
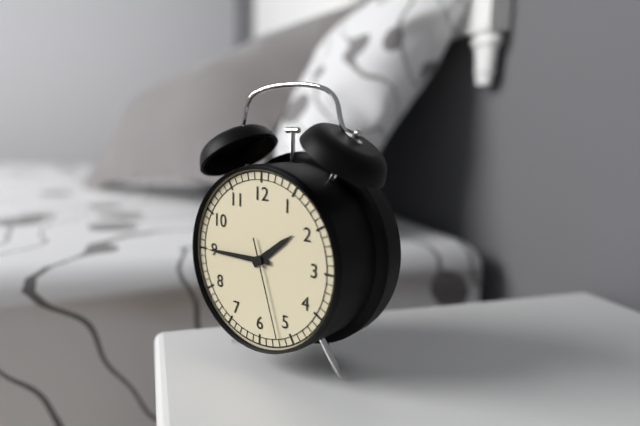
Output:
1:45:27
